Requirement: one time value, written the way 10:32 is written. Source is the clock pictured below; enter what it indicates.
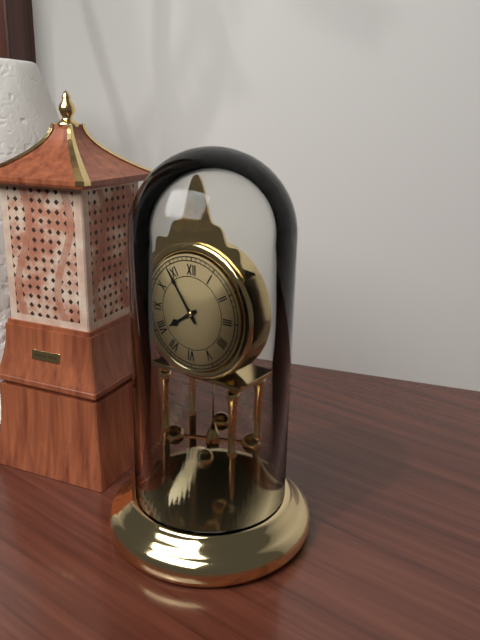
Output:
7:54
